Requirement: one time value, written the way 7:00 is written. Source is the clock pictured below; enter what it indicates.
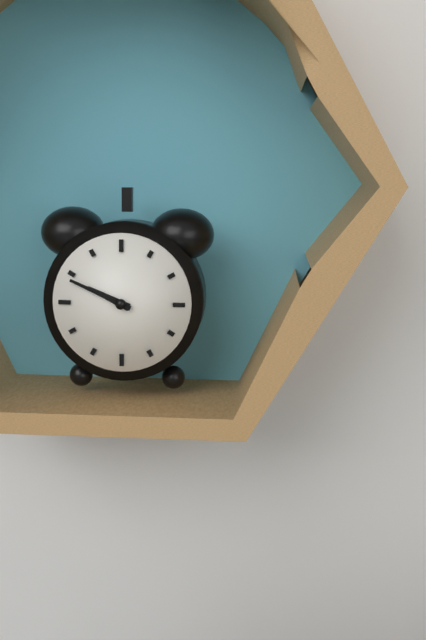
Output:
9:49
